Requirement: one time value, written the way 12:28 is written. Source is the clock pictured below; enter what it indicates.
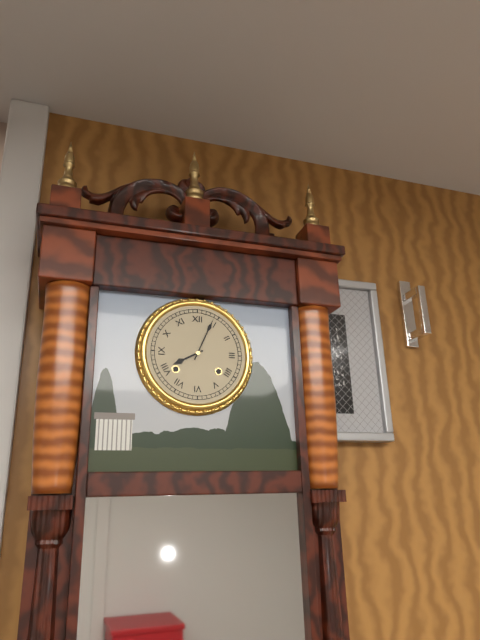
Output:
8:04
